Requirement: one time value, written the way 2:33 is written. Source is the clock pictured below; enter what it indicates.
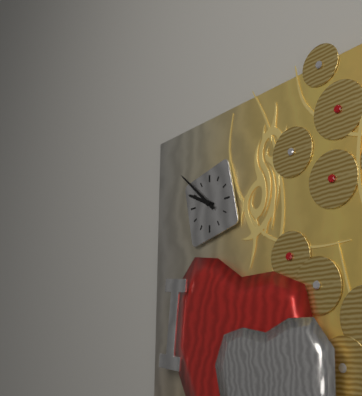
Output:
9:52
